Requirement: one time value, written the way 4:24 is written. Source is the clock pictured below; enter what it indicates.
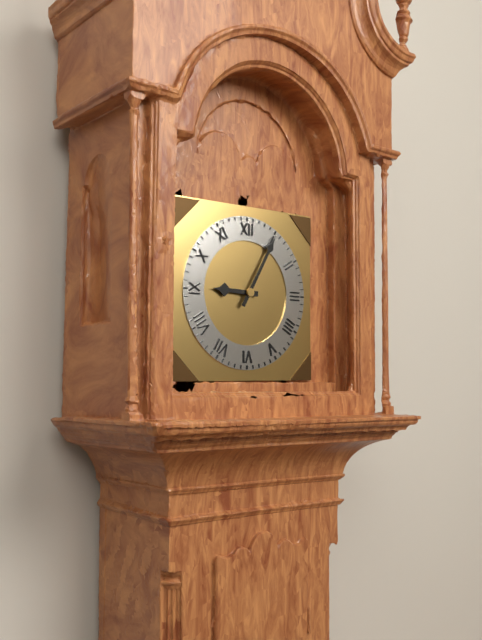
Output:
9:05
